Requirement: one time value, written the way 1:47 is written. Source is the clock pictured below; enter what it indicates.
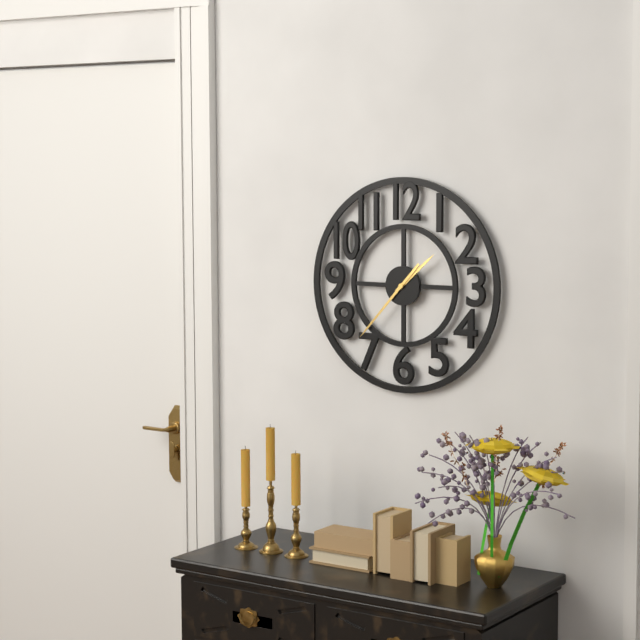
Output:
1:37
